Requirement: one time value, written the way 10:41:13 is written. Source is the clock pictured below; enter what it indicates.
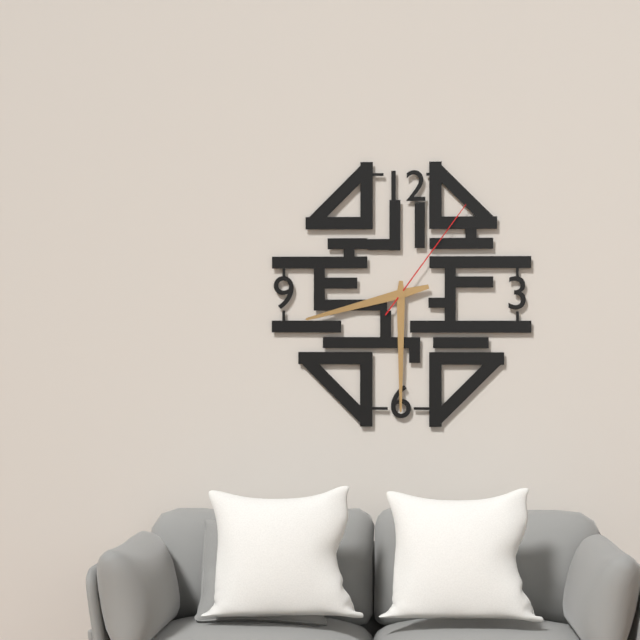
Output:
8:30:06
